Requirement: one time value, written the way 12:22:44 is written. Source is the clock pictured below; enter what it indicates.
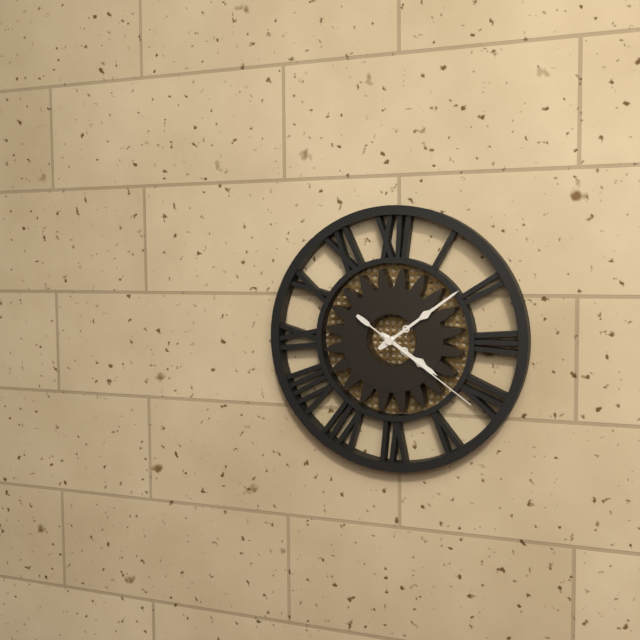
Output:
4:09:21
